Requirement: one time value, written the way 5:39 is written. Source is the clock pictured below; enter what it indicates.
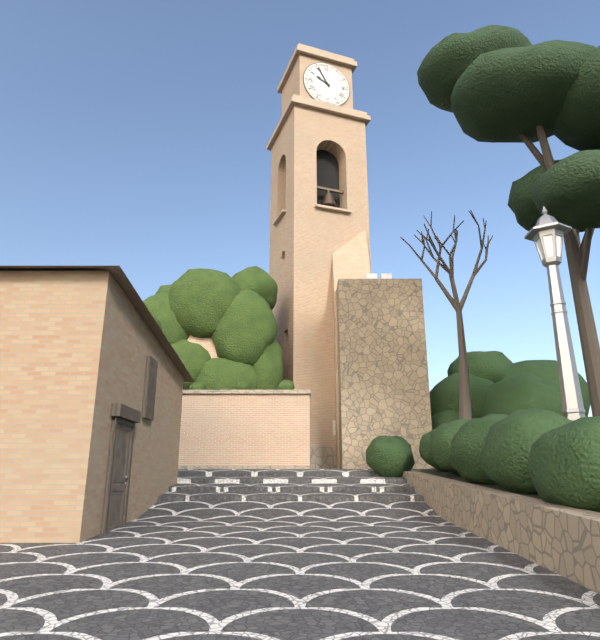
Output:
9:55
